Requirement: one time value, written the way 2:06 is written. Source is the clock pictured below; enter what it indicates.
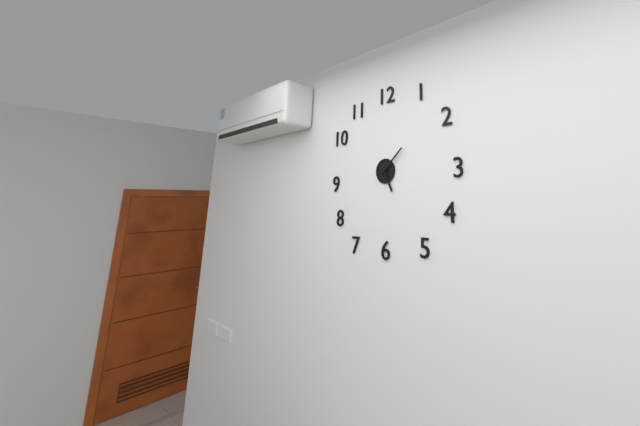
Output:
5:08
